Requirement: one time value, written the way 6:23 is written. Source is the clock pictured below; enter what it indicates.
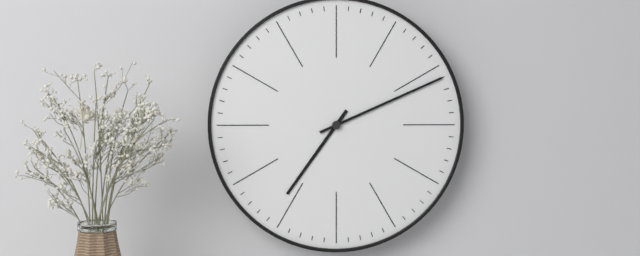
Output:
7:11
